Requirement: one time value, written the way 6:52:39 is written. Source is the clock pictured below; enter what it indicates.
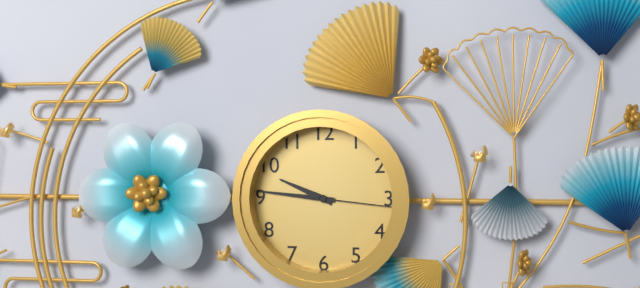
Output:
9:46:16
